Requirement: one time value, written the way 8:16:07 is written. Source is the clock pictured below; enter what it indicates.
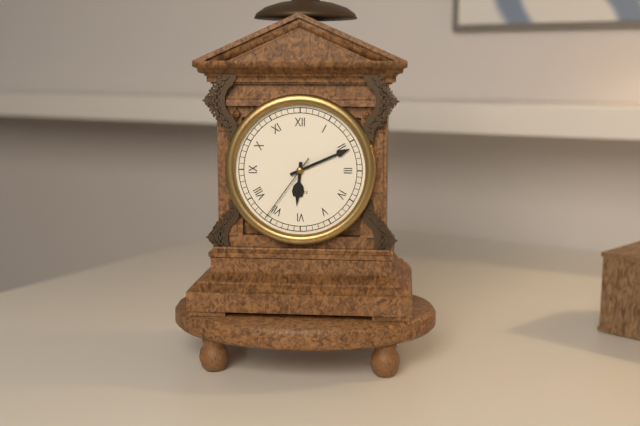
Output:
6:11:36
